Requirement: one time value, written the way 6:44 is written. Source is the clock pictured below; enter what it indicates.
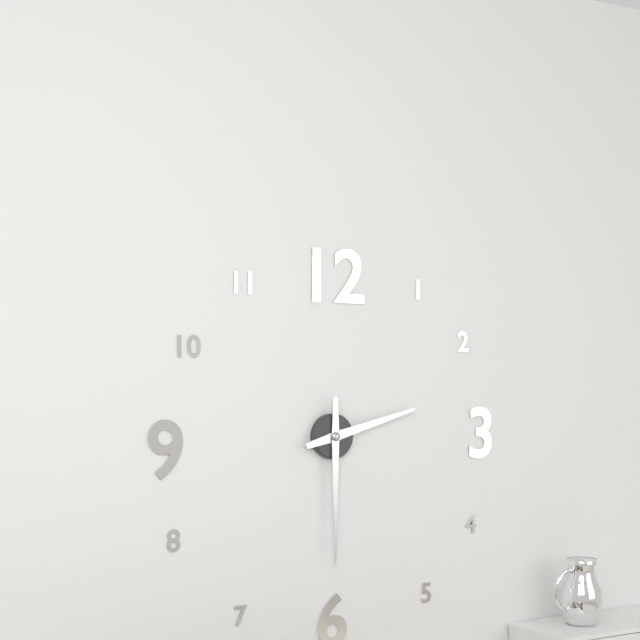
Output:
2:30
